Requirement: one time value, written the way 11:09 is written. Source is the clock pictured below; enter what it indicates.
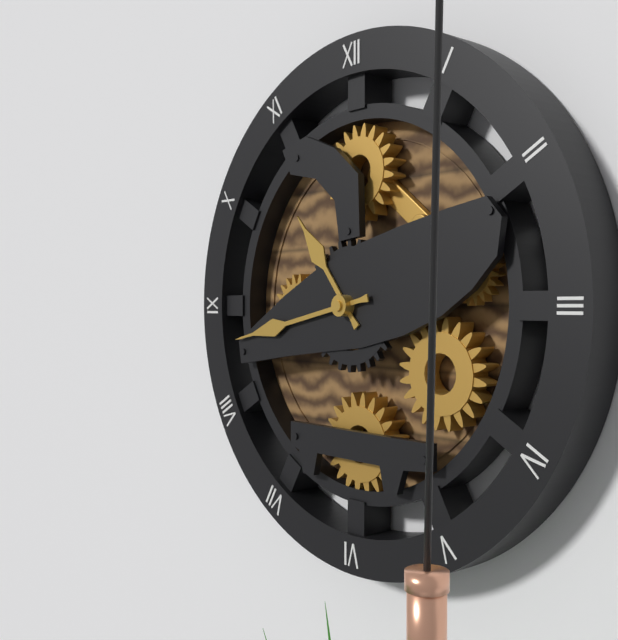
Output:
10:43
